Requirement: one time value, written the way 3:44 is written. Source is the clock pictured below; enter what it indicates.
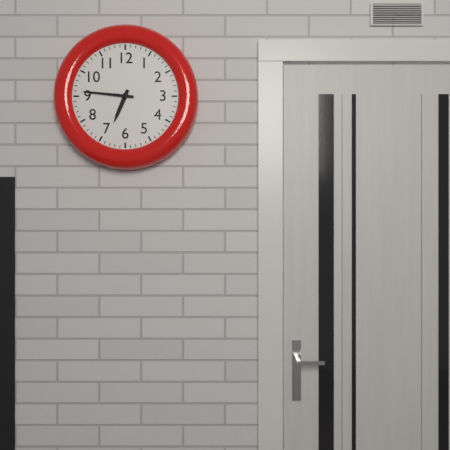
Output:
6:46
